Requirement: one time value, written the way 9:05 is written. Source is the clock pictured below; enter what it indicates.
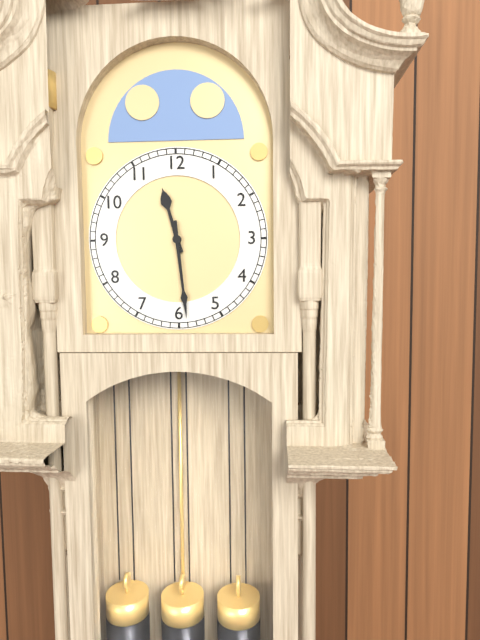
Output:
11:29
